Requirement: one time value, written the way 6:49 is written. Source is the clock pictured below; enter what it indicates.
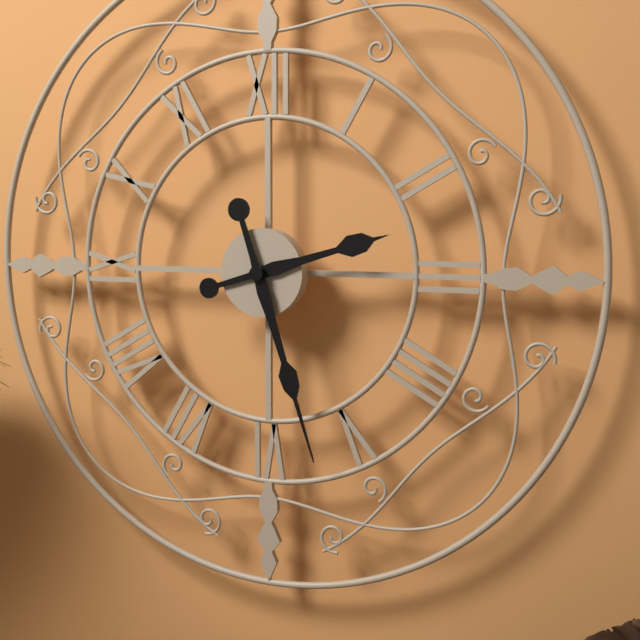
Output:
2:27
